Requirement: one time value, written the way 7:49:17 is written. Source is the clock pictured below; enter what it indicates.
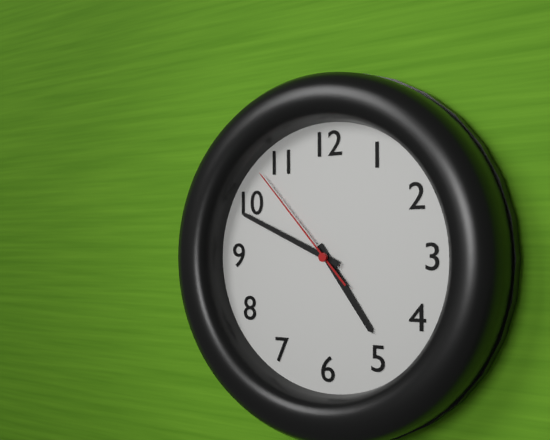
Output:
4:49:53
